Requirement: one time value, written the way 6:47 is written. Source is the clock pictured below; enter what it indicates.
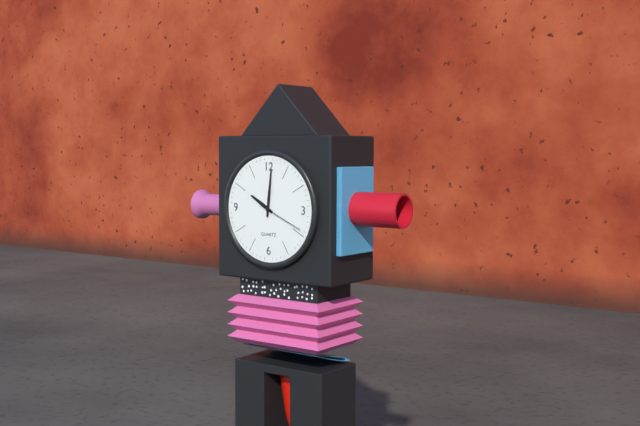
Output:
10:01
